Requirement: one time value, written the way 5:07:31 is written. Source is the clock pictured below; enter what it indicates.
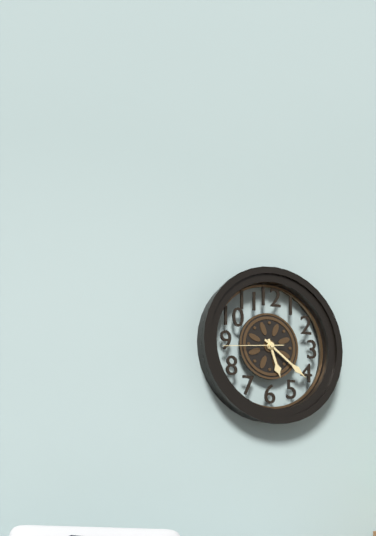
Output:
5:21:44
